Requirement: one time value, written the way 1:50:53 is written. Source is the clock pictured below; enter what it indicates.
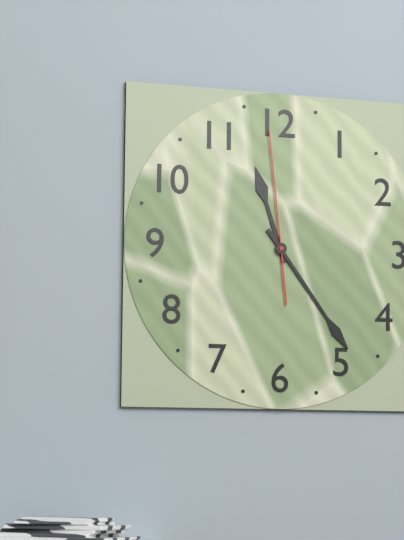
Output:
11:24:59
